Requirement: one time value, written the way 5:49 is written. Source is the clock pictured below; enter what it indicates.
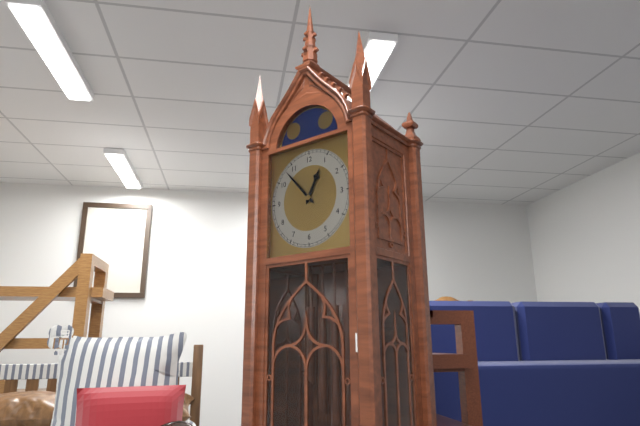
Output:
12:53
